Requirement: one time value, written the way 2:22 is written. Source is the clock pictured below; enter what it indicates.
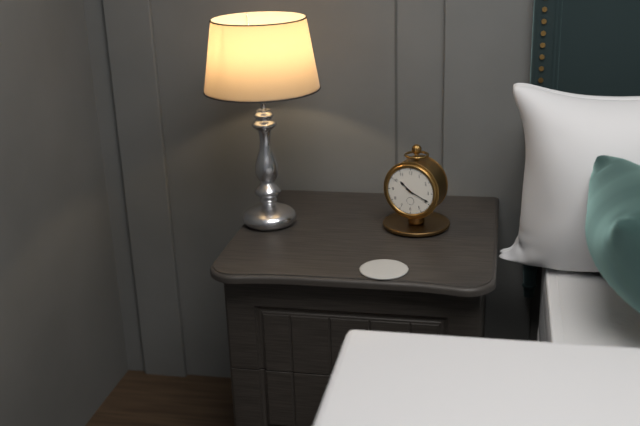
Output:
10:19
